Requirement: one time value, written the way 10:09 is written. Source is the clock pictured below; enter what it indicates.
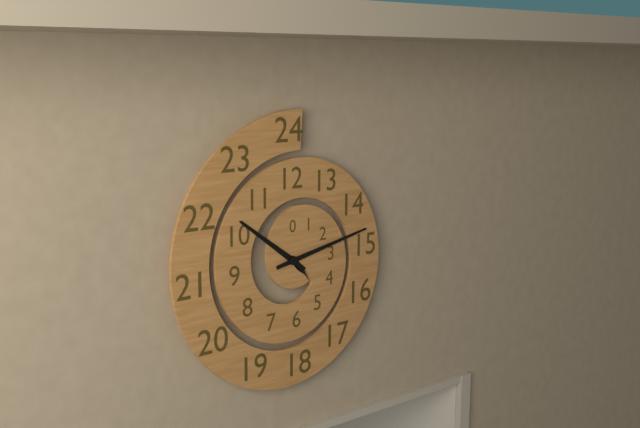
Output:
10:13
